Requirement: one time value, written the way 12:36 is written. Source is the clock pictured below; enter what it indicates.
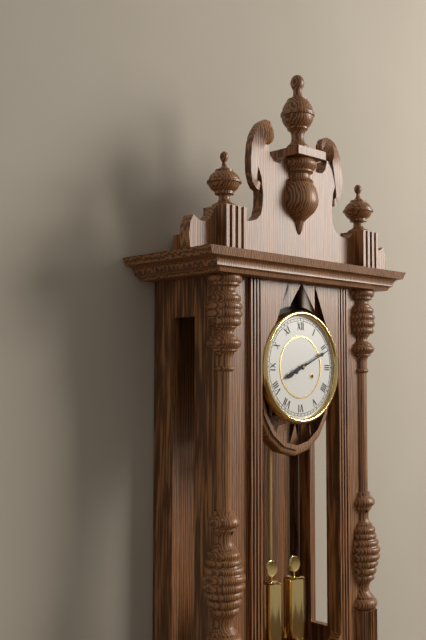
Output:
8:11
